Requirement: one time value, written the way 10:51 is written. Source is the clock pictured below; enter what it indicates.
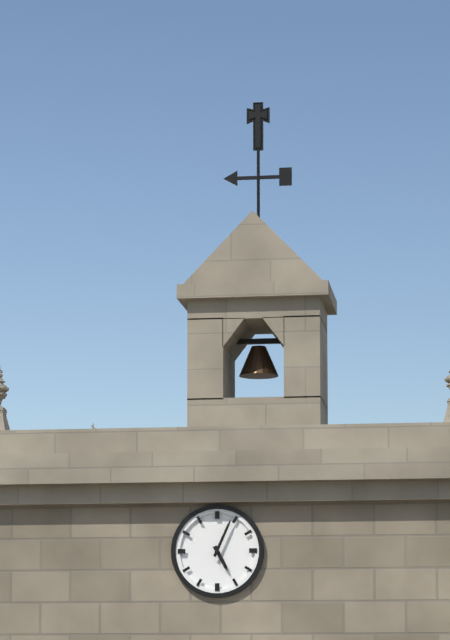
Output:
5:04
